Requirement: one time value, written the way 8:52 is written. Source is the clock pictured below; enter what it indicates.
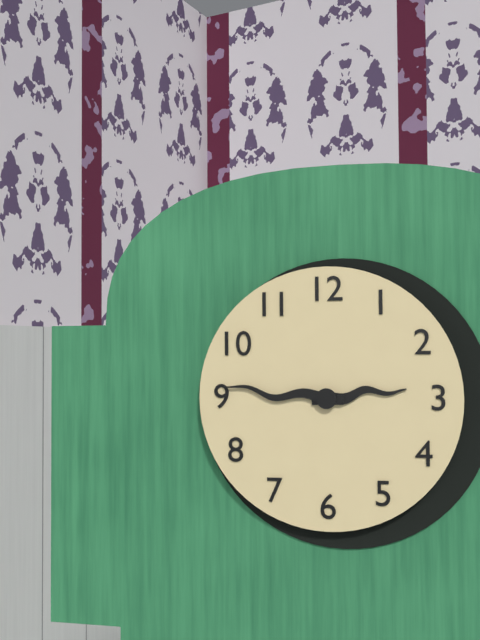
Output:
2:46
